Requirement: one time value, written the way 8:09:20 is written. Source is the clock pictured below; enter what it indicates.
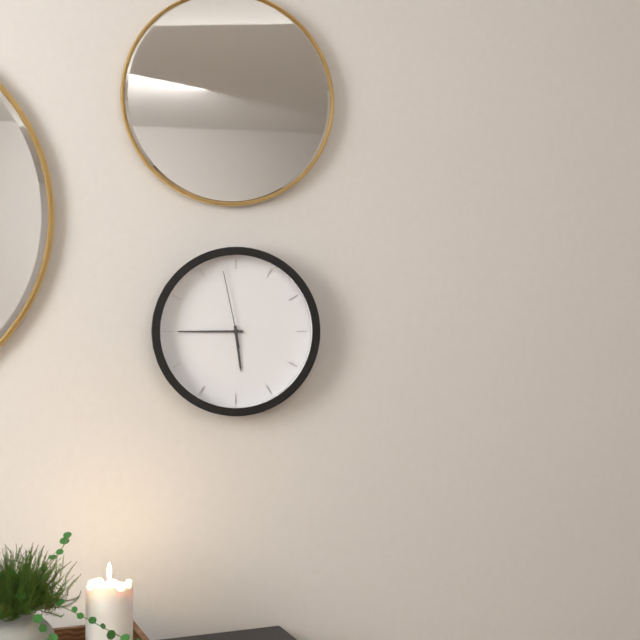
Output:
5:45:58
